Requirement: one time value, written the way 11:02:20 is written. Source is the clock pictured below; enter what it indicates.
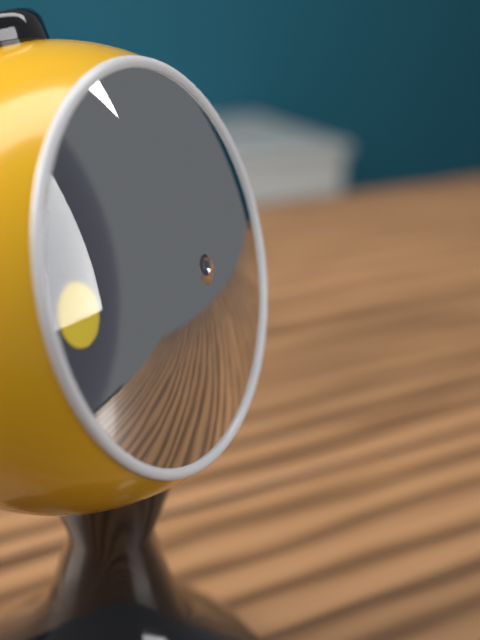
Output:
7:57:25
